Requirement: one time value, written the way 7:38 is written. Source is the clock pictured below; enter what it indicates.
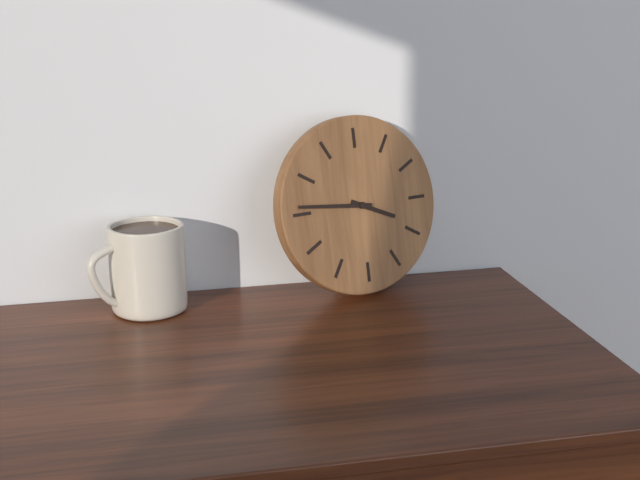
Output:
3:46
